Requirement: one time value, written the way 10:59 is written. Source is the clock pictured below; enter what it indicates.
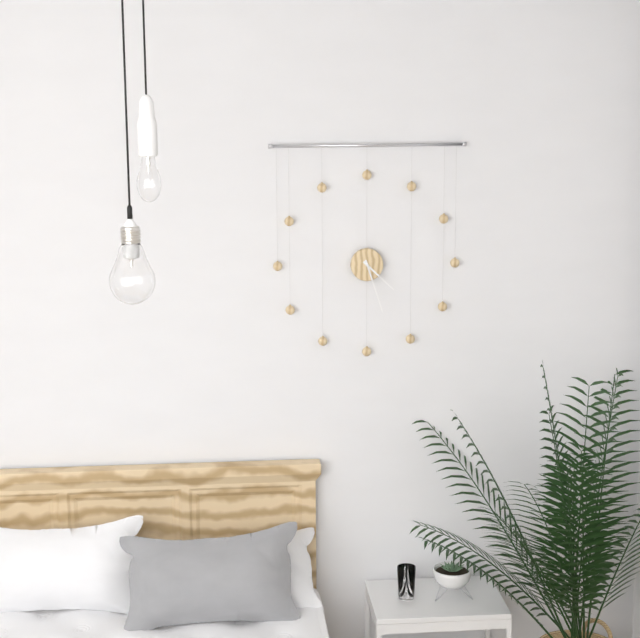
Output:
4:27
